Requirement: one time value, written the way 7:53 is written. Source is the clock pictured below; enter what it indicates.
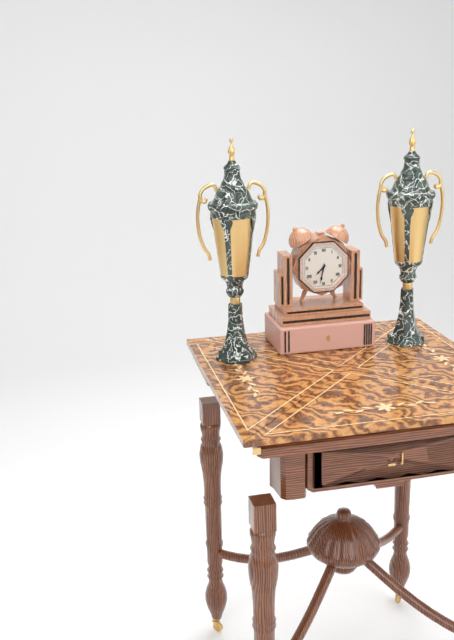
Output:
7:32
